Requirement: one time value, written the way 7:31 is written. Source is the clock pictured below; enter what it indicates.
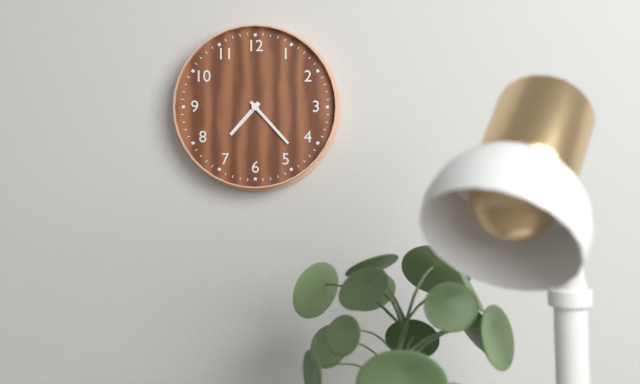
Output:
7:23
